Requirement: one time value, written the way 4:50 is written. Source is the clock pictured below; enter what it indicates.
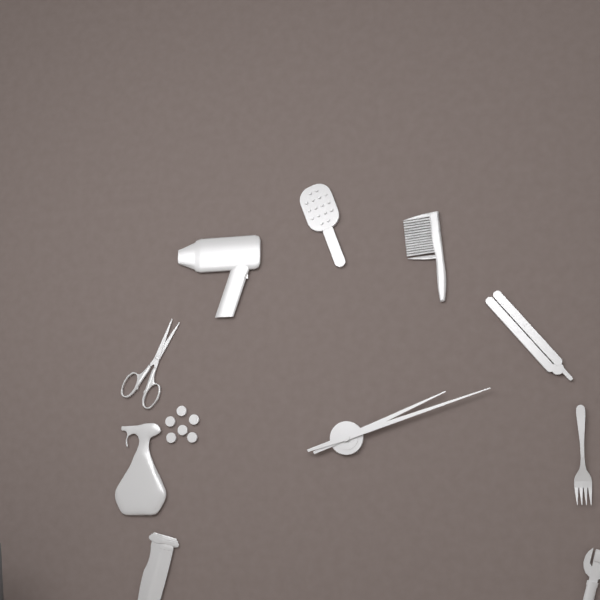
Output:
2:12
